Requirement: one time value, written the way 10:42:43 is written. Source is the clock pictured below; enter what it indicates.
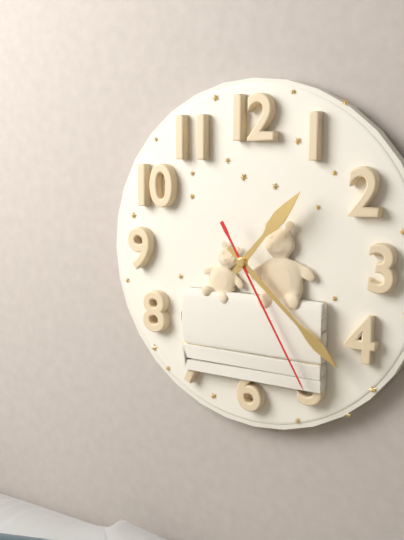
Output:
1:22:25
